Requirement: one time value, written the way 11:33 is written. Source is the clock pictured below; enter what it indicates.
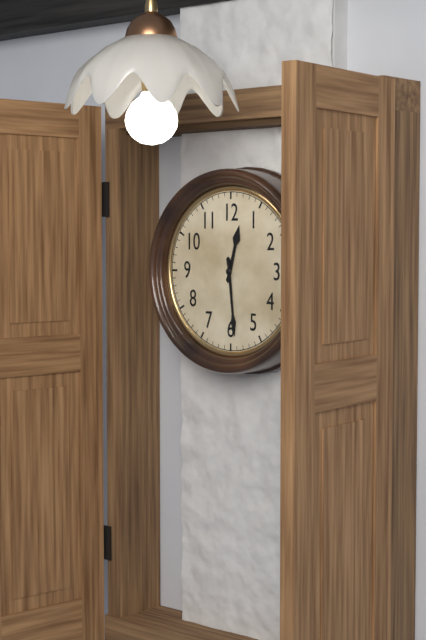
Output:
12:29
